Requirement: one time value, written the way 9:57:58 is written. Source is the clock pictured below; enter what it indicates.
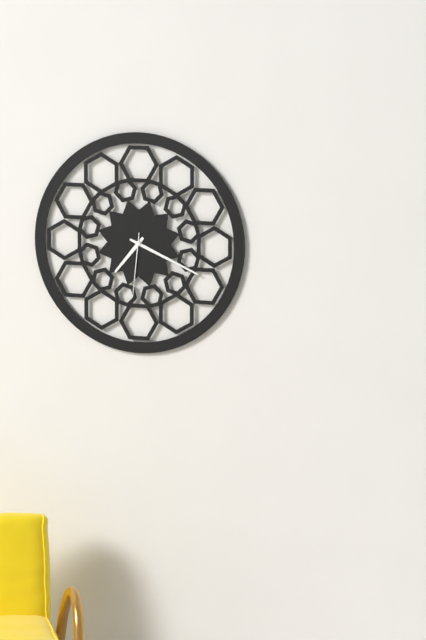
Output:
7:19:31
